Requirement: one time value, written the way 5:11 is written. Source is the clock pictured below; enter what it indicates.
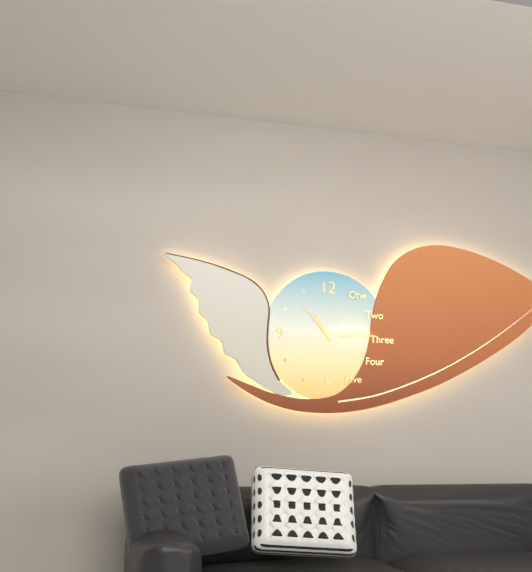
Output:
10:53
